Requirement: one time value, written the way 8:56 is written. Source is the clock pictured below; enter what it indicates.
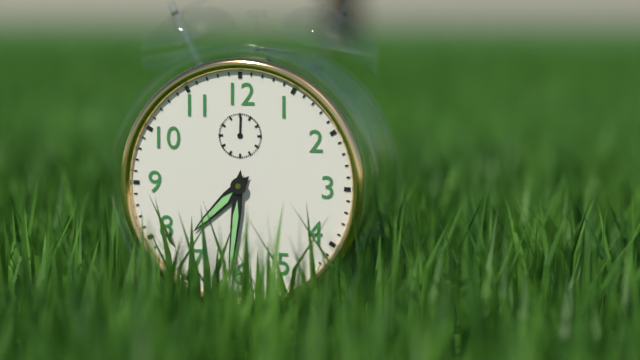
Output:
7:31
